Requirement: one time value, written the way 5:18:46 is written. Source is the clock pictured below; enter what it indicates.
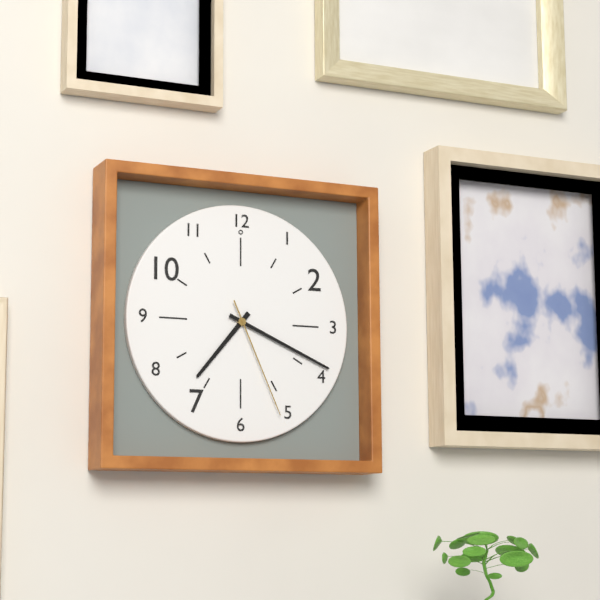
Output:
7:19:26
